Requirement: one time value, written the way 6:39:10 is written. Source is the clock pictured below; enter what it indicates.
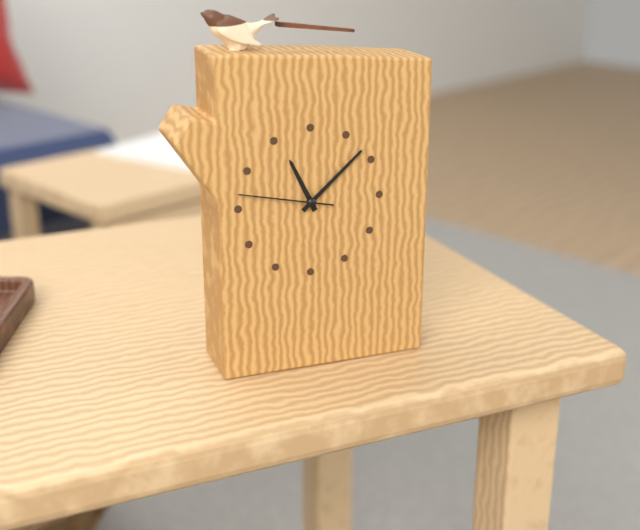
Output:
11:08:47
